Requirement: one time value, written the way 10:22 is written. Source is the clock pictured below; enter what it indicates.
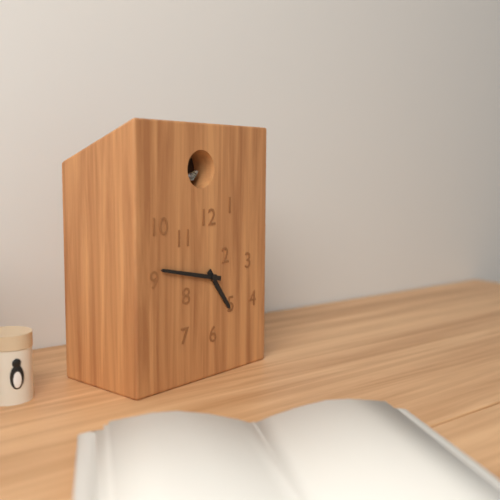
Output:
4:47
